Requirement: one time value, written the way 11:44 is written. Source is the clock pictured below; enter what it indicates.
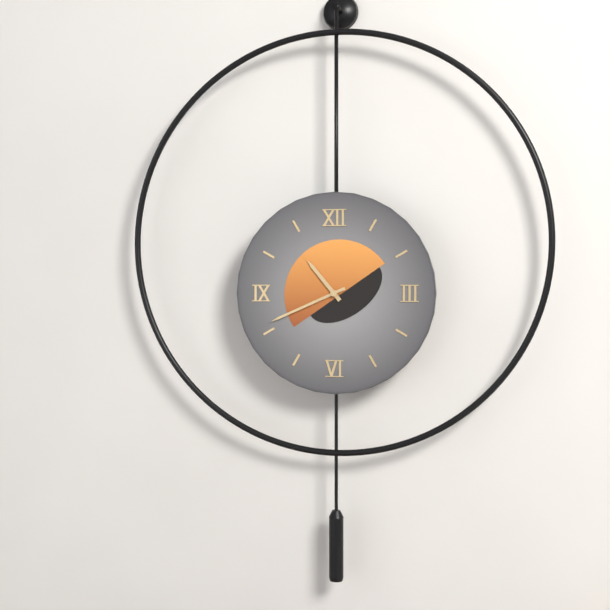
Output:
10:41
